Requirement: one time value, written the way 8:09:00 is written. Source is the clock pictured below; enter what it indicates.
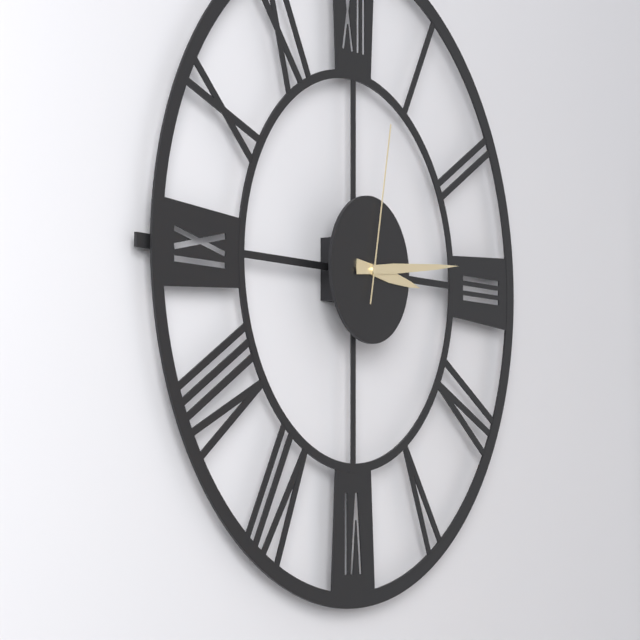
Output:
3:14:02
